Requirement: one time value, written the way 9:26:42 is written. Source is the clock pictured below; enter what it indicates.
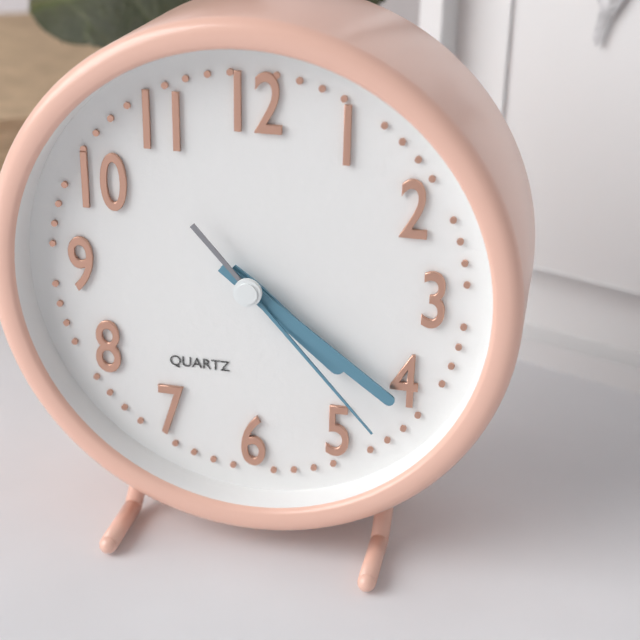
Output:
4:21:23
